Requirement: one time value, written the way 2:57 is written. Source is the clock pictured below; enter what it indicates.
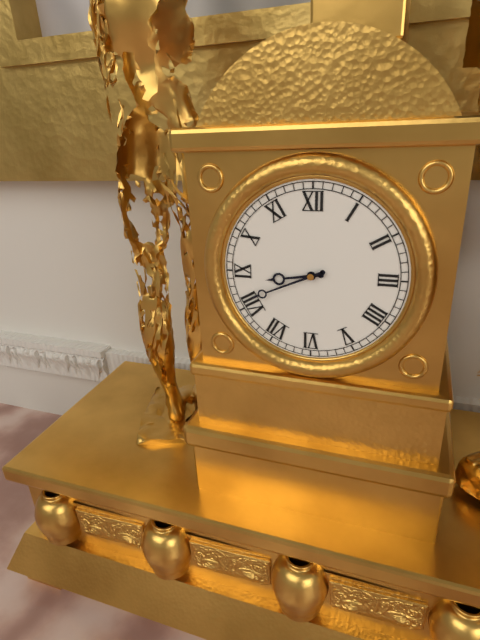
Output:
8:41
